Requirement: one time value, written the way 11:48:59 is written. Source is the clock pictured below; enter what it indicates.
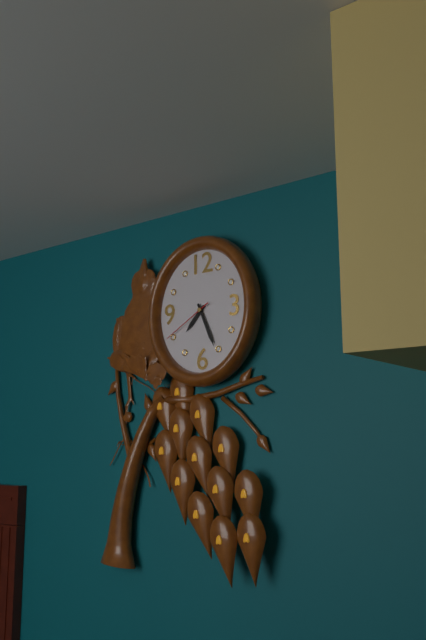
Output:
7:26:40
